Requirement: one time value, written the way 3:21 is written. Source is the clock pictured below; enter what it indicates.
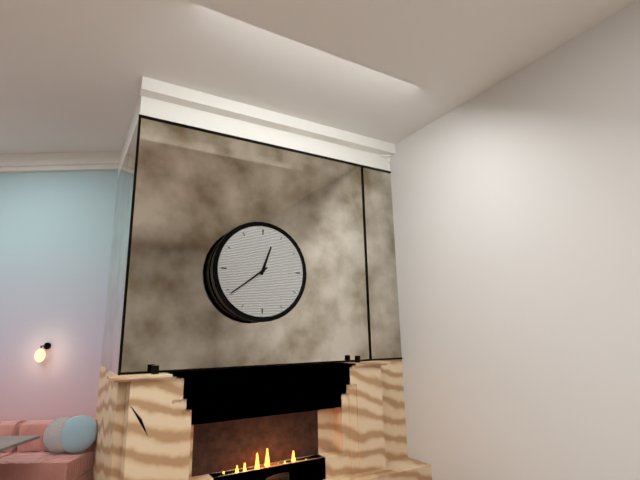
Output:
12:39
